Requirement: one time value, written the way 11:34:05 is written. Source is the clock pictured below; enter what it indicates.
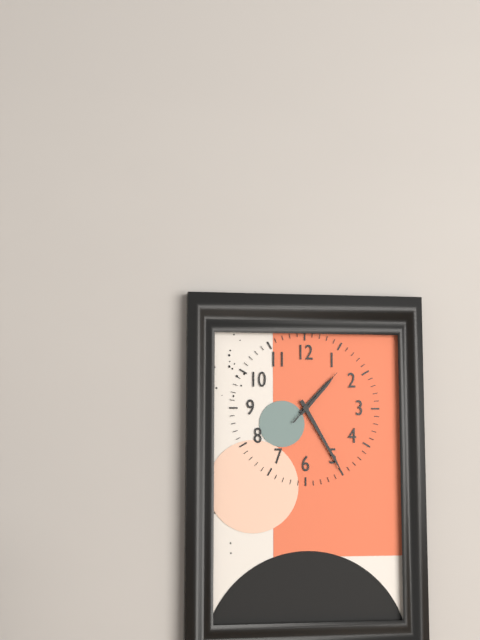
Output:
1:25:07
